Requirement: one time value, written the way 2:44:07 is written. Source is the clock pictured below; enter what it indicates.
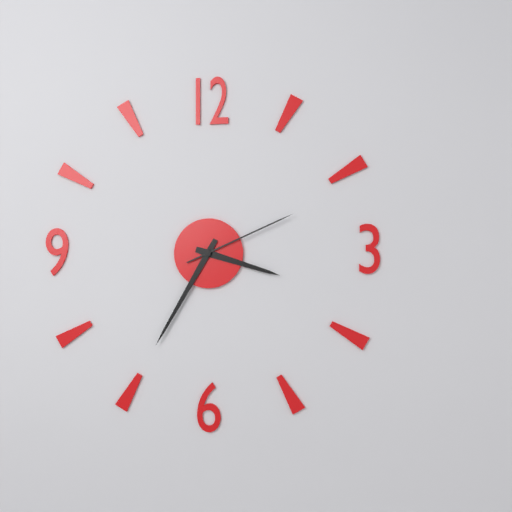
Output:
3:35:11
